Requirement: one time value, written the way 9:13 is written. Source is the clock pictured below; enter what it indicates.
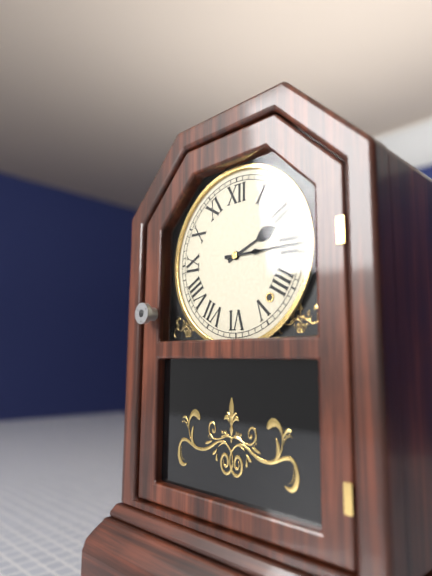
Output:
2:15
